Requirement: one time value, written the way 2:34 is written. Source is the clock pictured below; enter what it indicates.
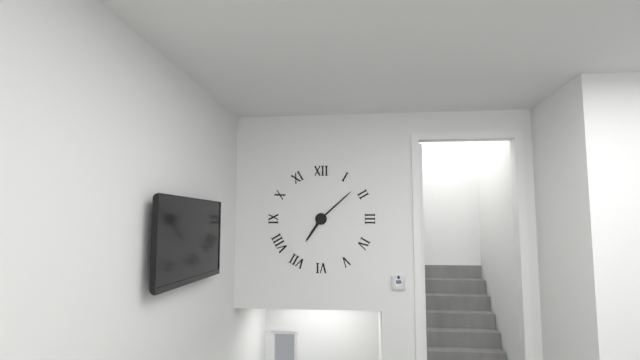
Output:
7:08
